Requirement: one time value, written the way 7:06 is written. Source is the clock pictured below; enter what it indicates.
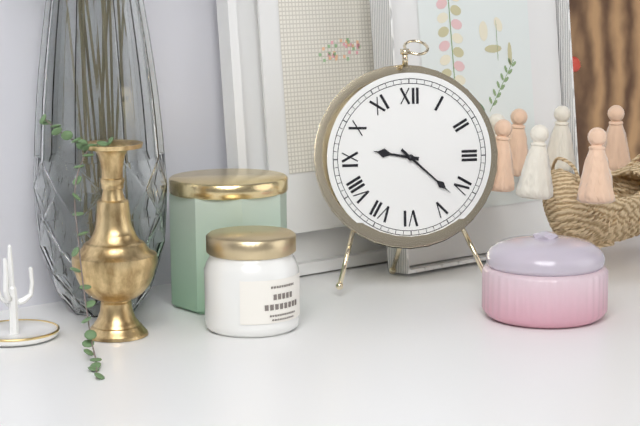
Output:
9:22
